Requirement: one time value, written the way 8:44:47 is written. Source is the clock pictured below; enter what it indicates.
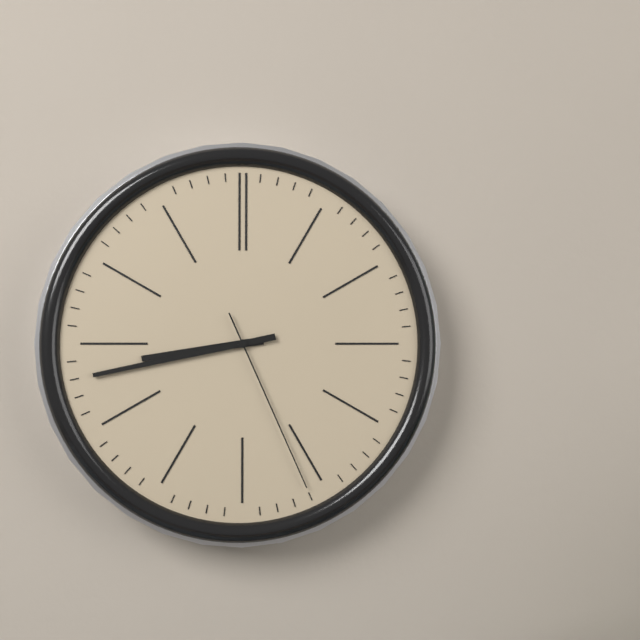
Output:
8:43:26
